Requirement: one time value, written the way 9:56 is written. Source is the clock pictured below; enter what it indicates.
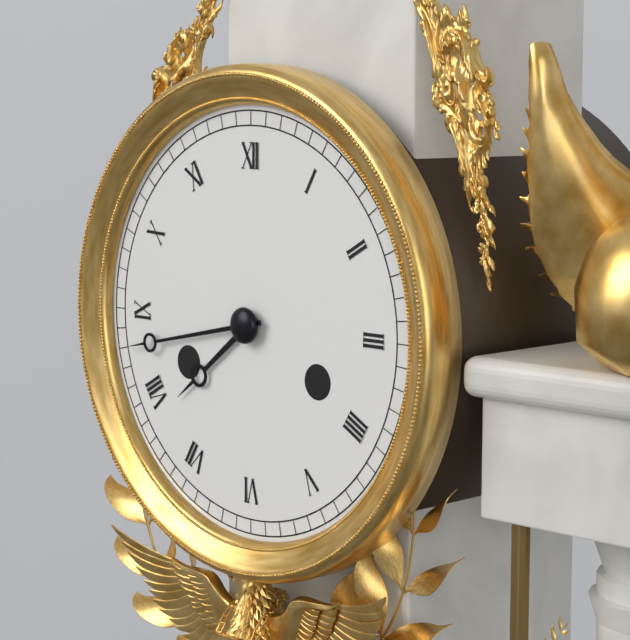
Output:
7:43
